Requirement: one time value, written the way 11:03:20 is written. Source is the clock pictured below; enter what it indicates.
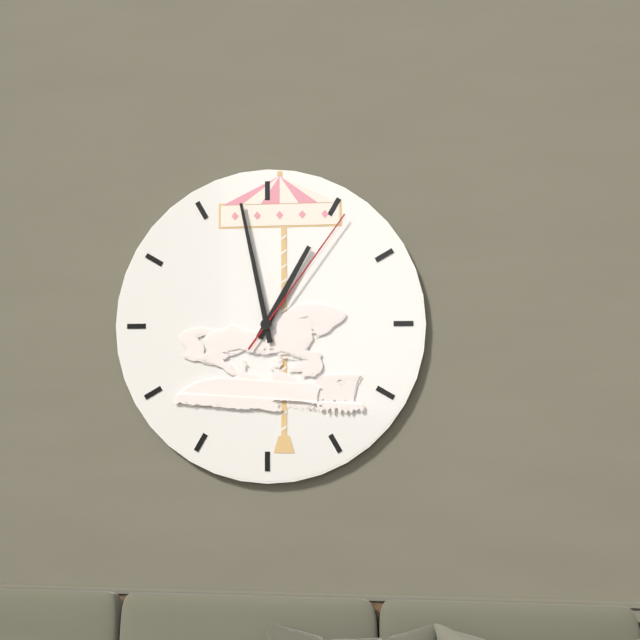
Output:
12:58:06
